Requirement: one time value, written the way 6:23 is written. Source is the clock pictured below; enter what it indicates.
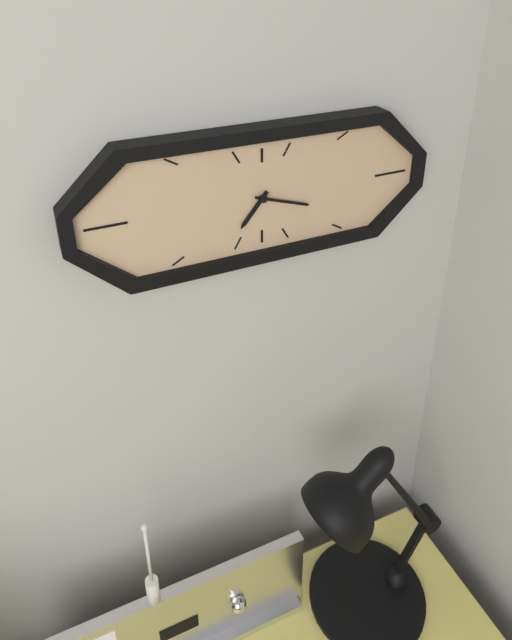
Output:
7:18
